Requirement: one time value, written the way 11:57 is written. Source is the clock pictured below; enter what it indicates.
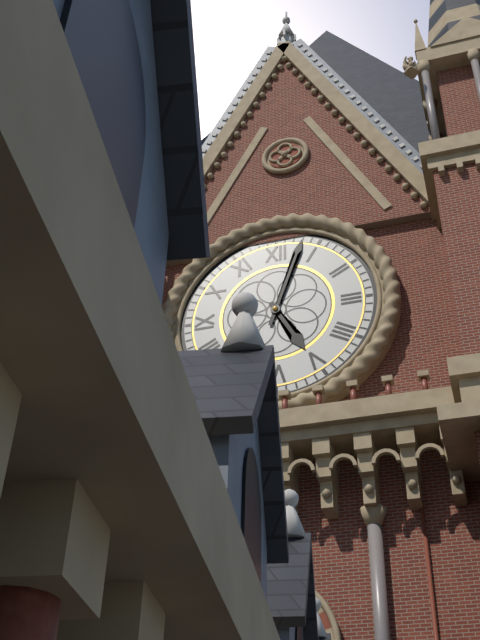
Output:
5:03
